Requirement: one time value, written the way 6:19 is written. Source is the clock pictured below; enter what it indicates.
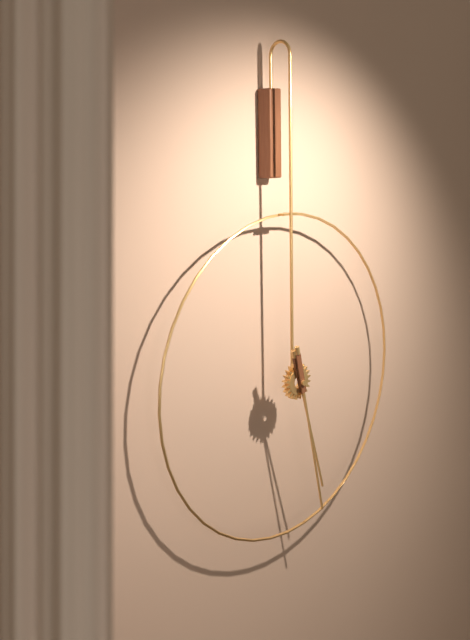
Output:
5:28
